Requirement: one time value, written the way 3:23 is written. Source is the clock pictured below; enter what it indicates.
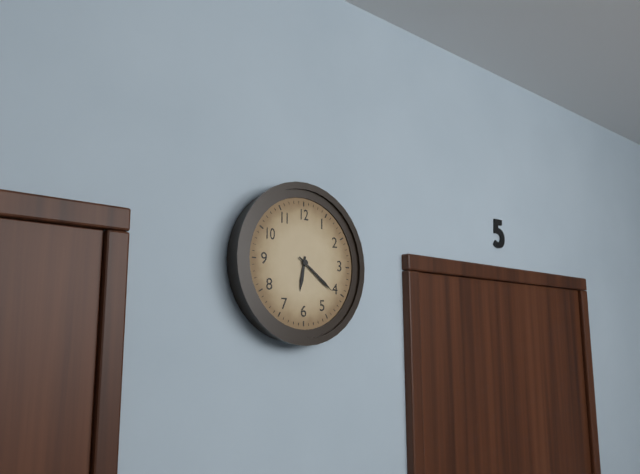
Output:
6:21
